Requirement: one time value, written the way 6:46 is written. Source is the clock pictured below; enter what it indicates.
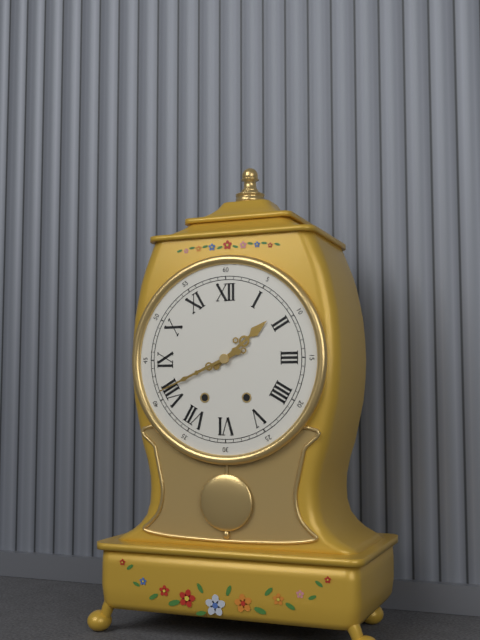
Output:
1:41
